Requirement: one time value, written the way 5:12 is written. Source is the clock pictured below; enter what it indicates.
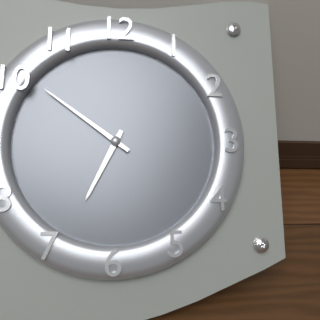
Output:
6:51
